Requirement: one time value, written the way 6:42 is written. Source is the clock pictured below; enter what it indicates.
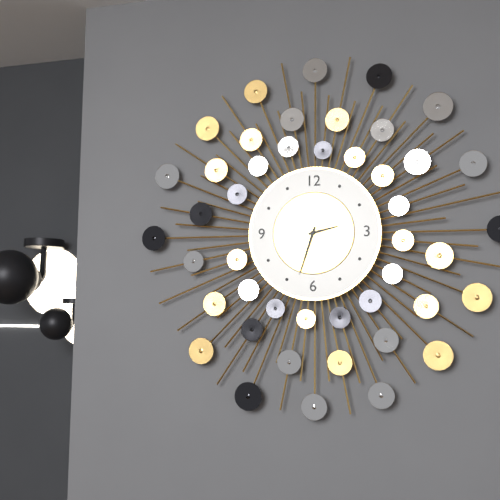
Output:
2:33
